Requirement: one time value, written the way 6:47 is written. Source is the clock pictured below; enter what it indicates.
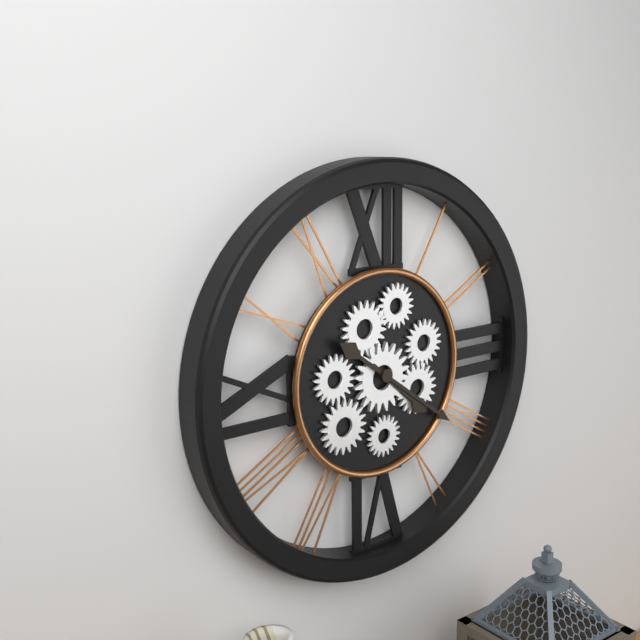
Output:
4:21
